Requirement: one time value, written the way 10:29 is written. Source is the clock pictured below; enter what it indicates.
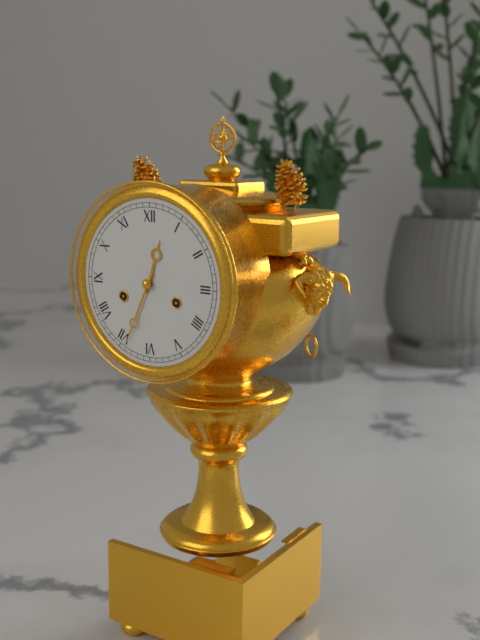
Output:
12:34
